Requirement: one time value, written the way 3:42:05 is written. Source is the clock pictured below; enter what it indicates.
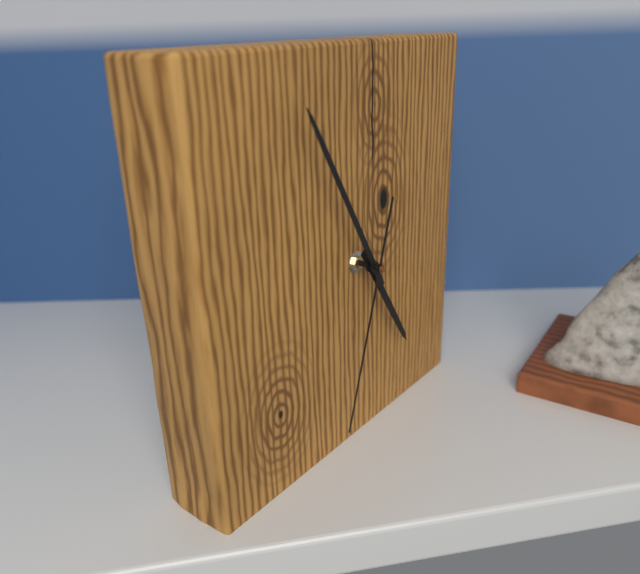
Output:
4:55:33
